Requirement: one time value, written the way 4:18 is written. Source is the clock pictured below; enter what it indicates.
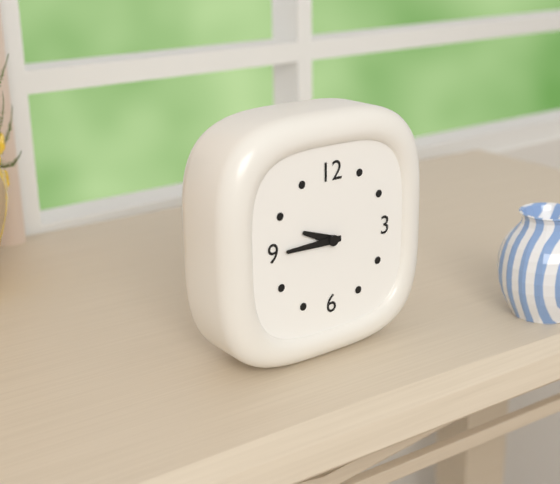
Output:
9:45
